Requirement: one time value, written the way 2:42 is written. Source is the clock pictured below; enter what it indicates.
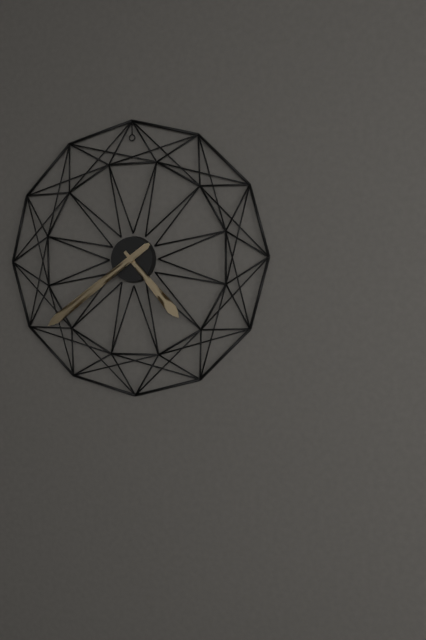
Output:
4:39
